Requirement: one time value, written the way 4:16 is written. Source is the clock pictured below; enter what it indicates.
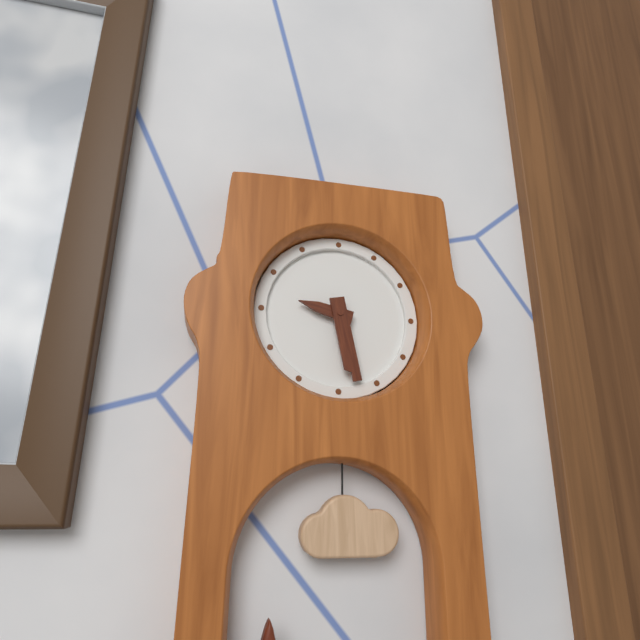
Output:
9:28
